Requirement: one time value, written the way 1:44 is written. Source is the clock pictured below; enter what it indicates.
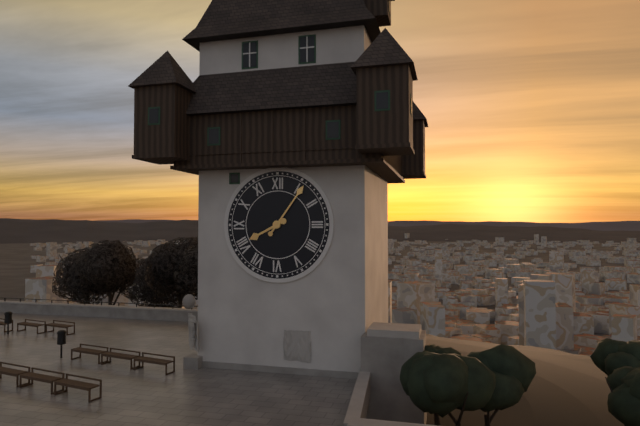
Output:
8:06
